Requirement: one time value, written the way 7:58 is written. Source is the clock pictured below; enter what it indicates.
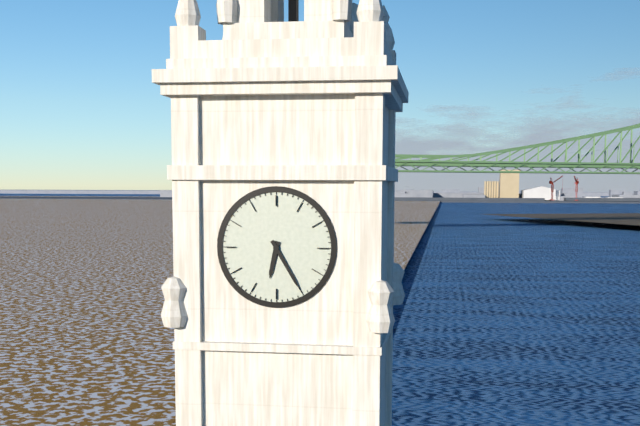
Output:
6:25
